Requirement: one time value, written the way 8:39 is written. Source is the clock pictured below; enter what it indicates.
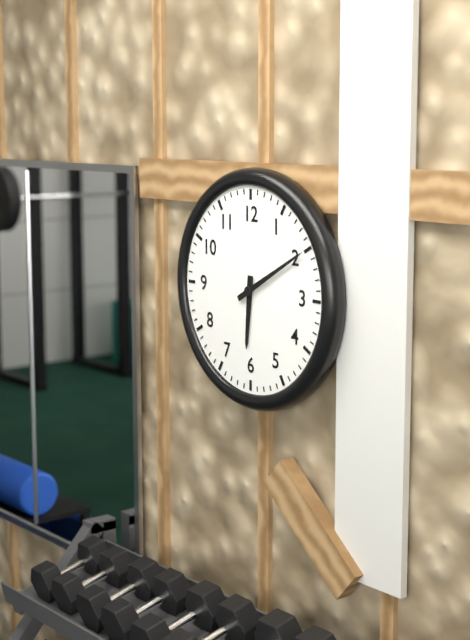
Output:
6:10
